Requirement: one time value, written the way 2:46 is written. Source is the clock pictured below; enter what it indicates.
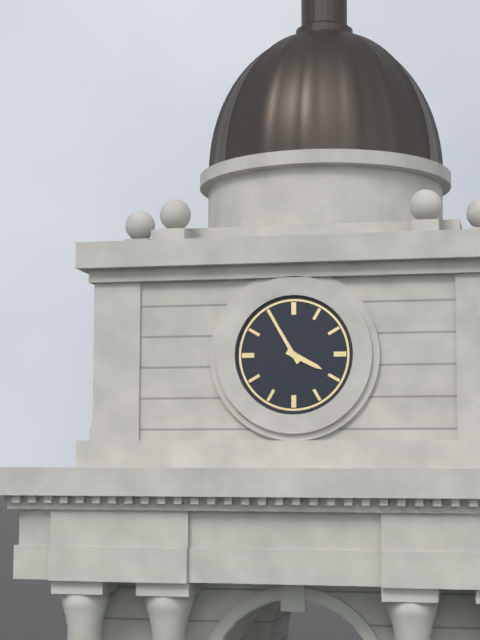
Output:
3:55
